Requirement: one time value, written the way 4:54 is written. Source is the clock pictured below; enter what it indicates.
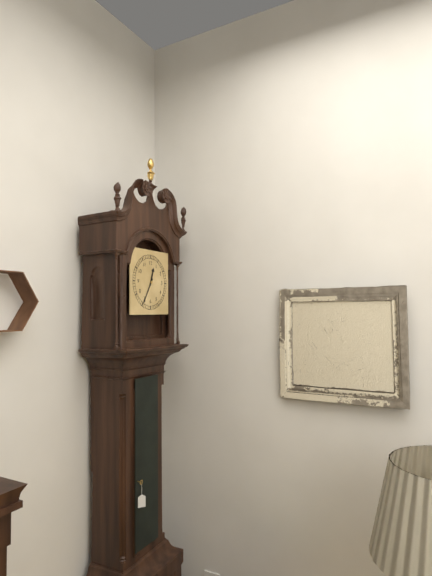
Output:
12:35
